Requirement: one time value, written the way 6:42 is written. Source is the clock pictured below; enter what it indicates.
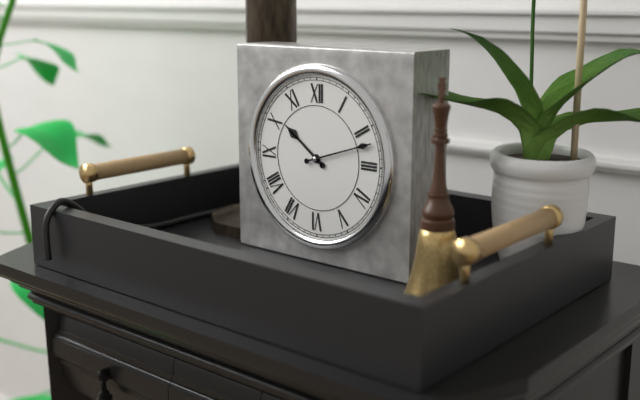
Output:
10:12
